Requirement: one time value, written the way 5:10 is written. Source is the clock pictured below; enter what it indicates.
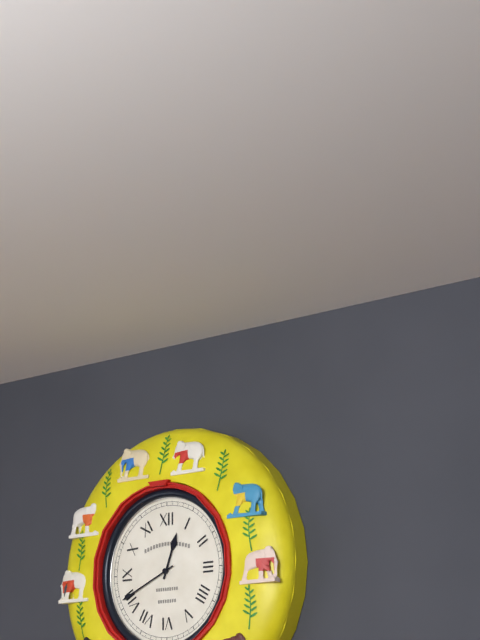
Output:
12:41
